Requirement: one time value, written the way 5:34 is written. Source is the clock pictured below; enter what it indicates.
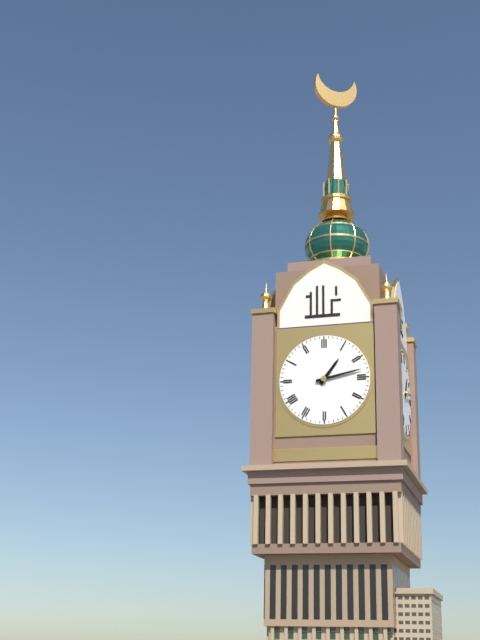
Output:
1:13
